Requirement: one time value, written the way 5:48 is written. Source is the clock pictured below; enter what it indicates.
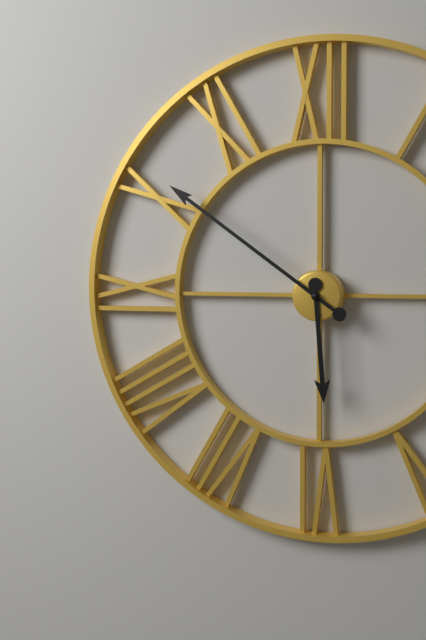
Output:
5:51
